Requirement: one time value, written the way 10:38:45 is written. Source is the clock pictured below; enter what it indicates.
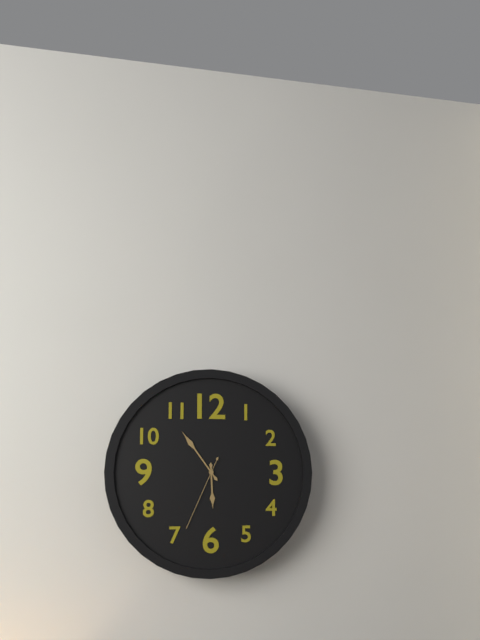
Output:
5:54:34
